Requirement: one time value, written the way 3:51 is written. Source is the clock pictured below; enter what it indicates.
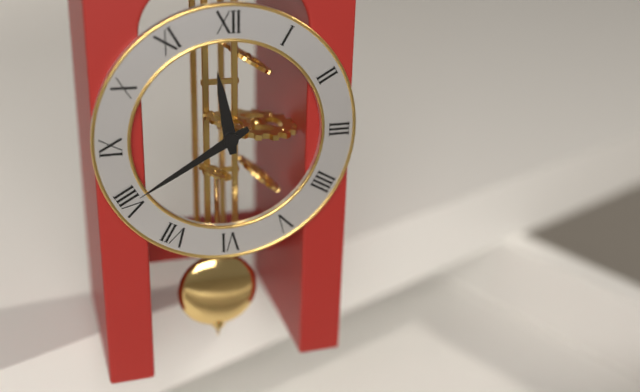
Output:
11:40
